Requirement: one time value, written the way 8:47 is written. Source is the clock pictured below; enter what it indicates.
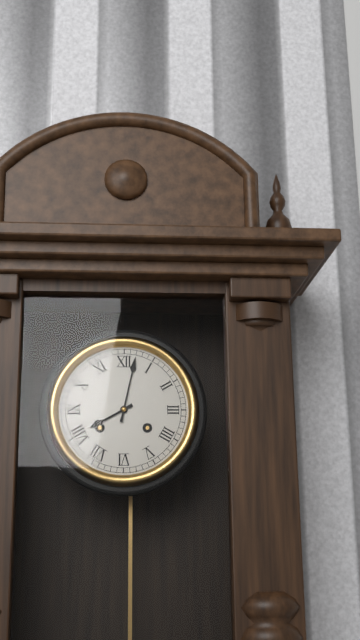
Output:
8:02
